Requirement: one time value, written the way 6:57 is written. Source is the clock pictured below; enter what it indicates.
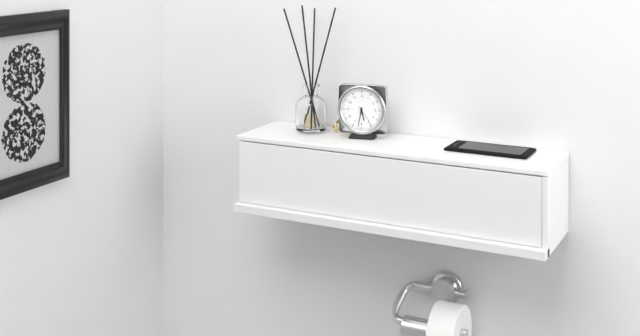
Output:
5:32
